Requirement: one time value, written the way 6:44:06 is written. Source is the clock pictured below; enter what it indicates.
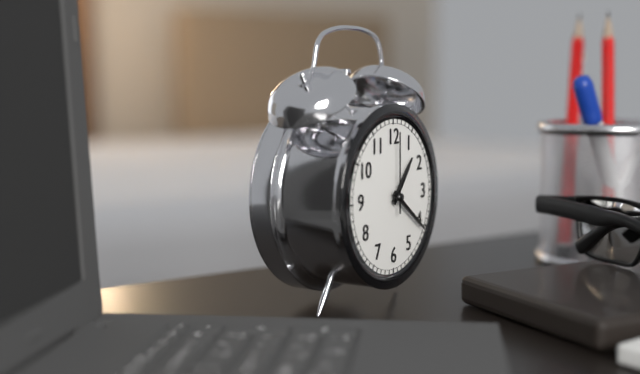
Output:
1:21:00
